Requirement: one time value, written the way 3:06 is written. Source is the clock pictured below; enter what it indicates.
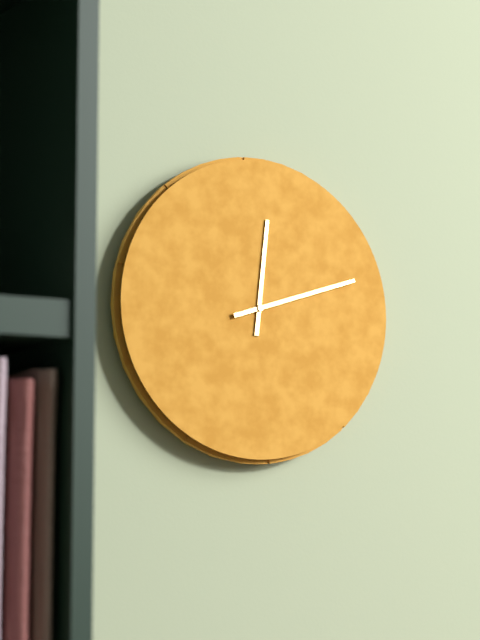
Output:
12:12
